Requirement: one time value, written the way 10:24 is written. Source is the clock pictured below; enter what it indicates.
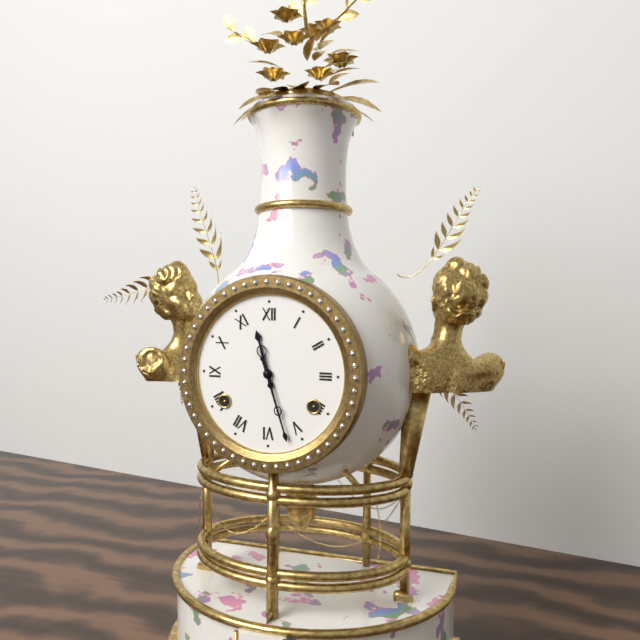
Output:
11:27
